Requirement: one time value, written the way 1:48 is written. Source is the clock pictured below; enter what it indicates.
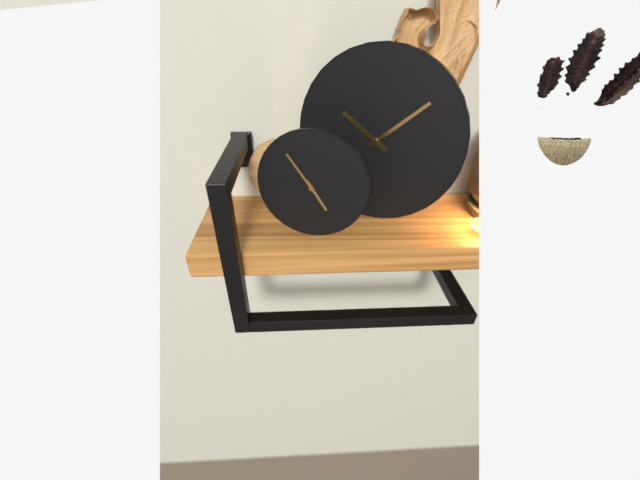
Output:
4:54
